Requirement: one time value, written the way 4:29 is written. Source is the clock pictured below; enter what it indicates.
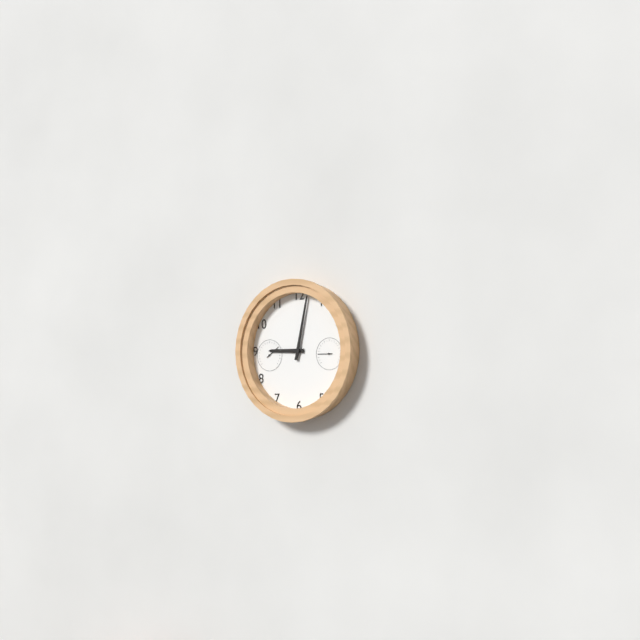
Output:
9:02
